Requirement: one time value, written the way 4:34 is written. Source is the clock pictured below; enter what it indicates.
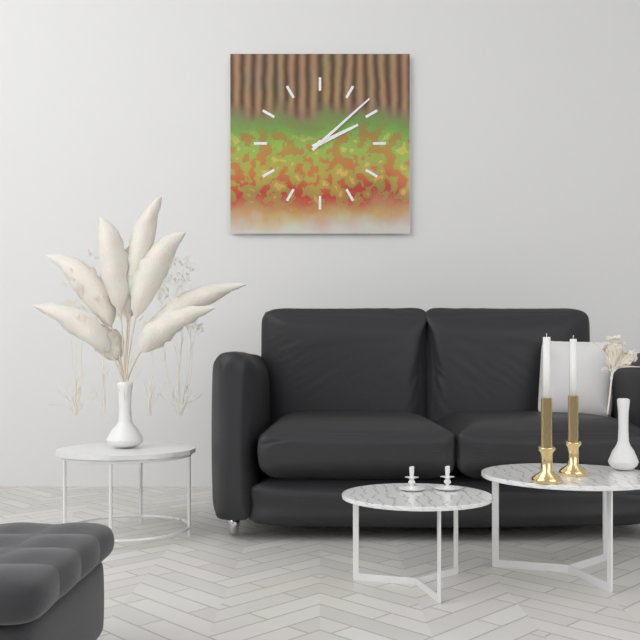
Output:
2:08
